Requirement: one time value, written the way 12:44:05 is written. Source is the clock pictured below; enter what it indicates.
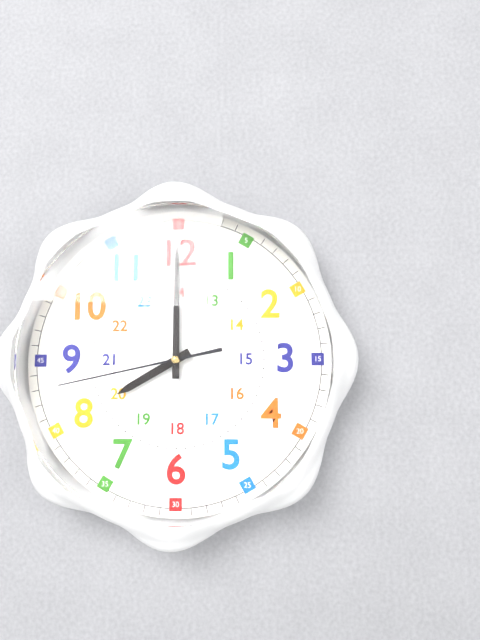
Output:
8:00:43
